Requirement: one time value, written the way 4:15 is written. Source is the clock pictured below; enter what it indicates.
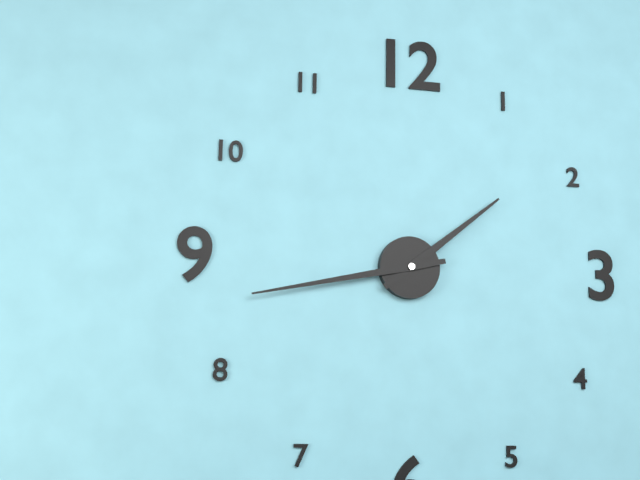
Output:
1:43
